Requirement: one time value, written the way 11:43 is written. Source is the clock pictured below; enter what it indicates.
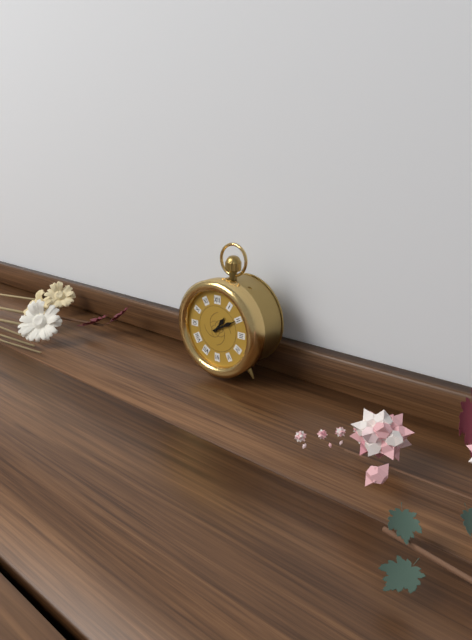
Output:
1:10
